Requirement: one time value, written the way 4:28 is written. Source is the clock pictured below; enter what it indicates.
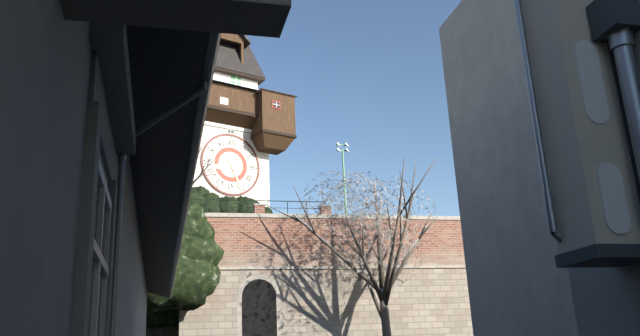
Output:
8:26
